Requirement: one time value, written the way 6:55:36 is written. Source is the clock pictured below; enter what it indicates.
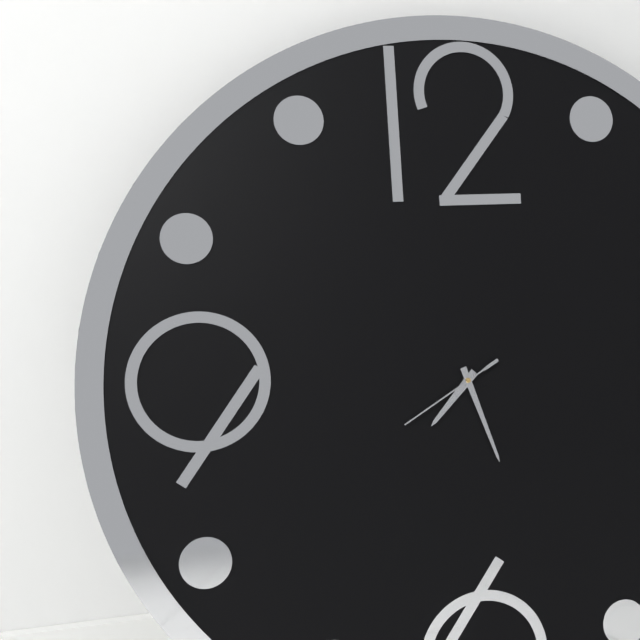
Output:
7:27:40
